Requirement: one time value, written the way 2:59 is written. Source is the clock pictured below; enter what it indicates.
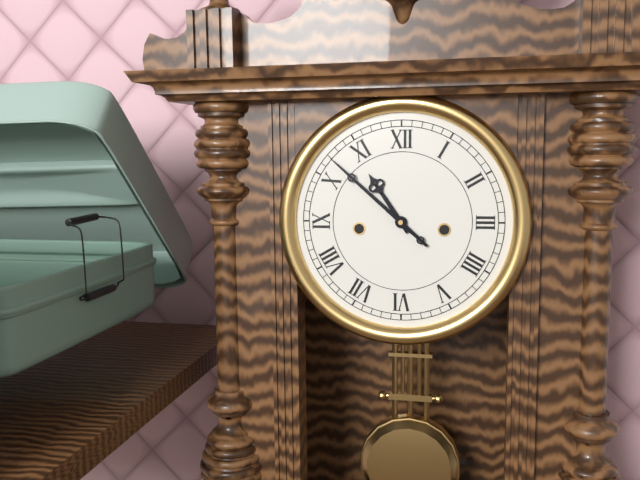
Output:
10:52
